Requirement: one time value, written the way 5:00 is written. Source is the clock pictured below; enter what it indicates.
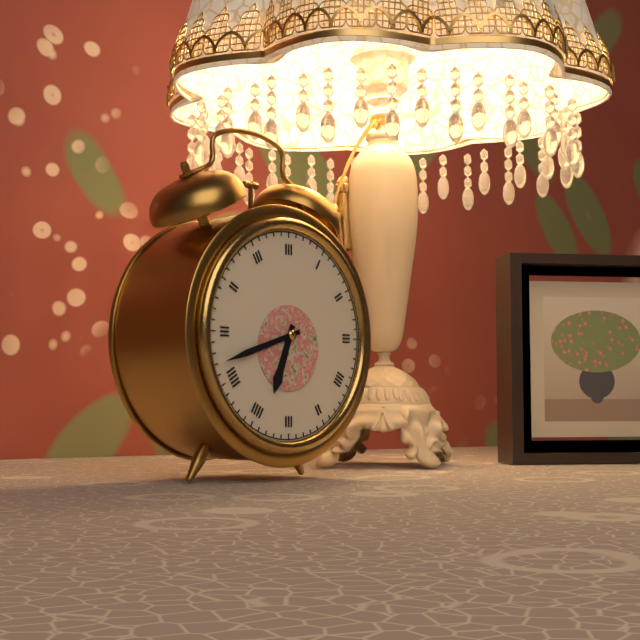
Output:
6:42
